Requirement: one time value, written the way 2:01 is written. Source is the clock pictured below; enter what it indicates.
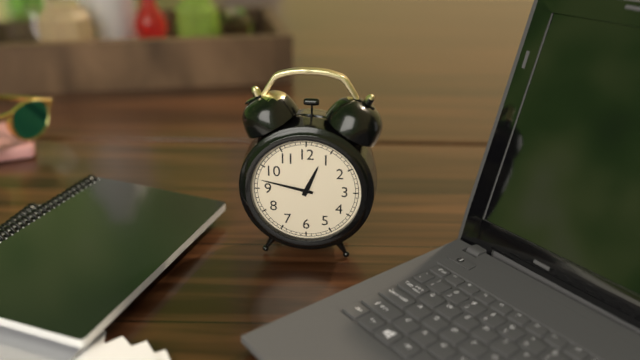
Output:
12:47
